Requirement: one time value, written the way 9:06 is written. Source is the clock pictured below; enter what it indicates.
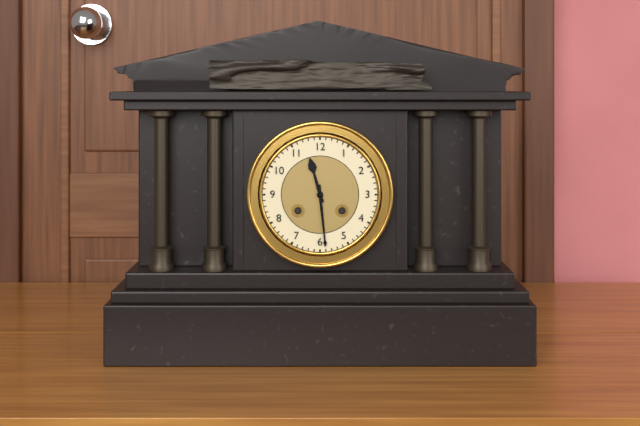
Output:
11:29
